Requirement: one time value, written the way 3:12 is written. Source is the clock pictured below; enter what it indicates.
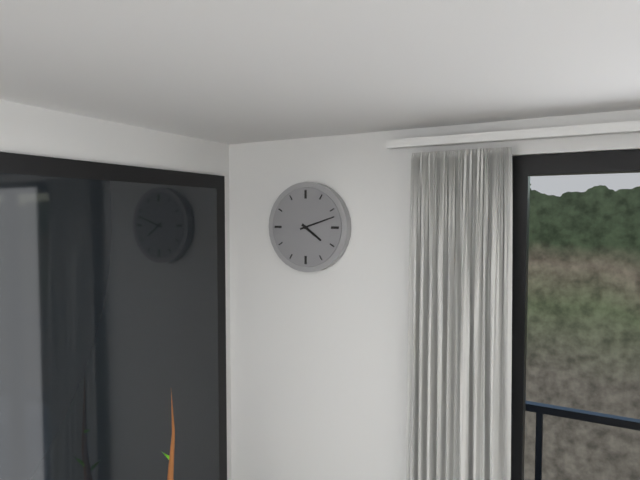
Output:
4:12
